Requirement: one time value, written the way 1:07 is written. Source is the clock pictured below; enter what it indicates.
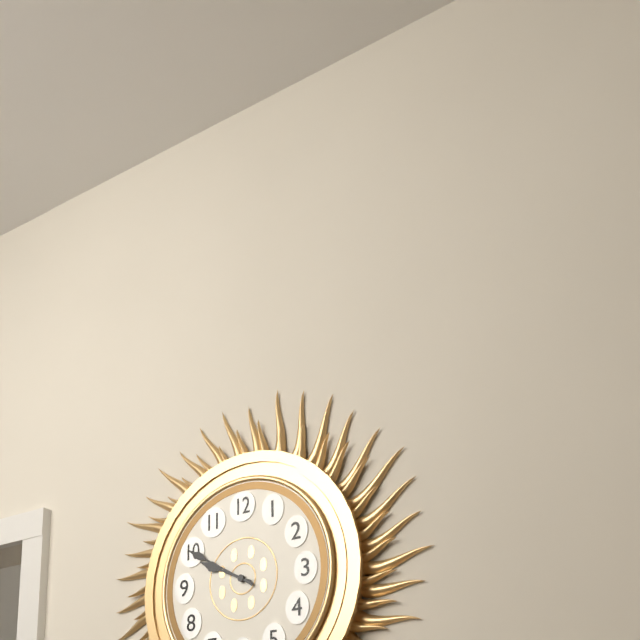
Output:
9:50
